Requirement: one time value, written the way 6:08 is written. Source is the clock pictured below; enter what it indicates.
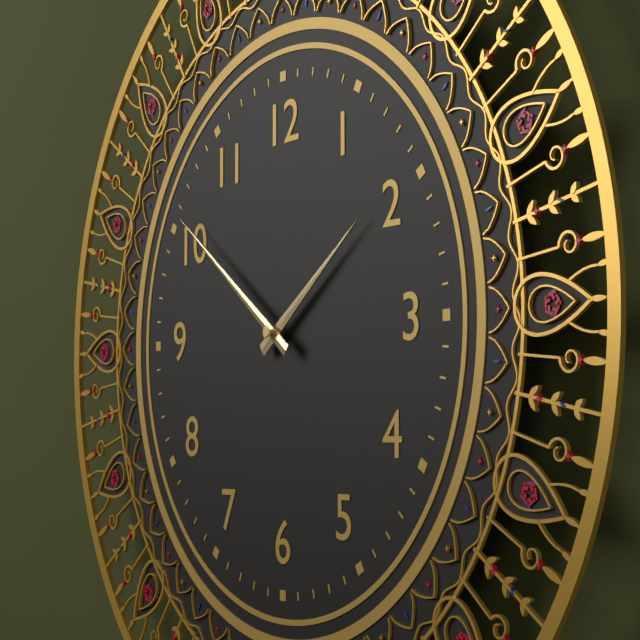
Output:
1:51
